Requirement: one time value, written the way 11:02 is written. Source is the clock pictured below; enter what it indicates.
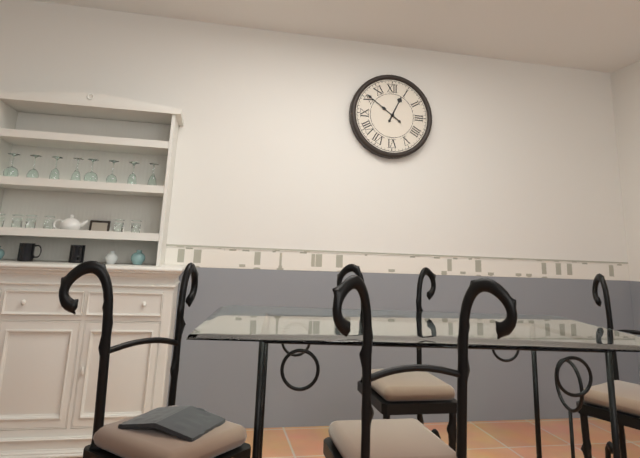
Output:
12:51
